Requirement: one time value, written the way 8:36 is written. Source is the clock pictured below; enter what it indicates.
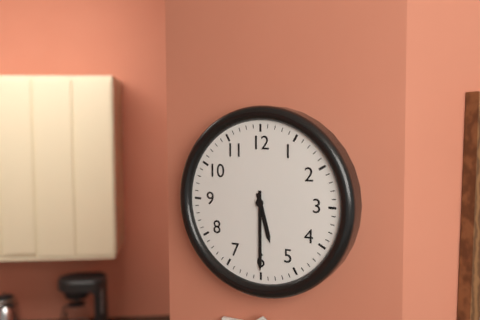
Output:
5:30
